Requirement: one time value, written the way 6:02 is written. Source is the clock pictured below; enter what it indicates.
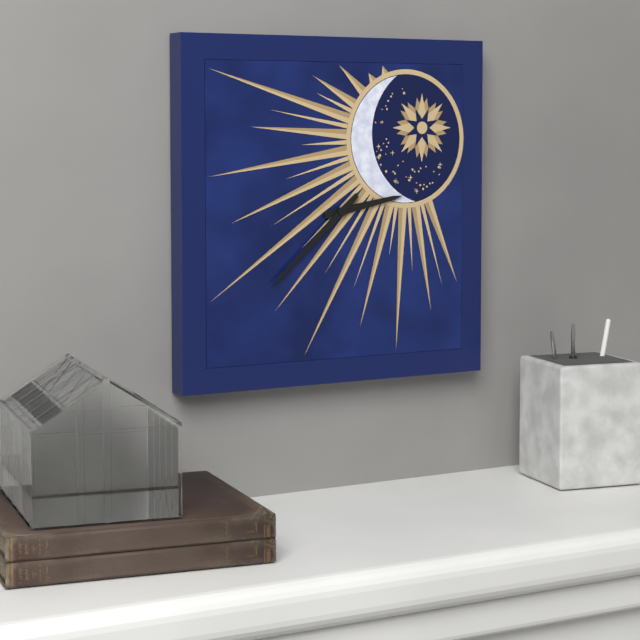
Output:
2:38
